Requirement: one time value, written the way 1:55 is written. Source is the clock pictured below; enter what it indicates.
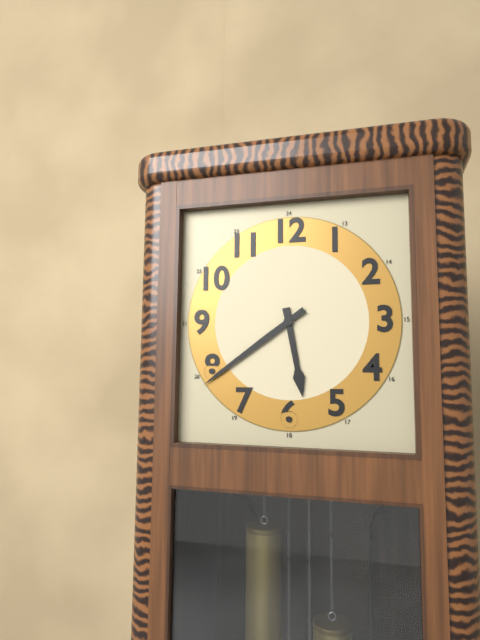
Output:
5:39
